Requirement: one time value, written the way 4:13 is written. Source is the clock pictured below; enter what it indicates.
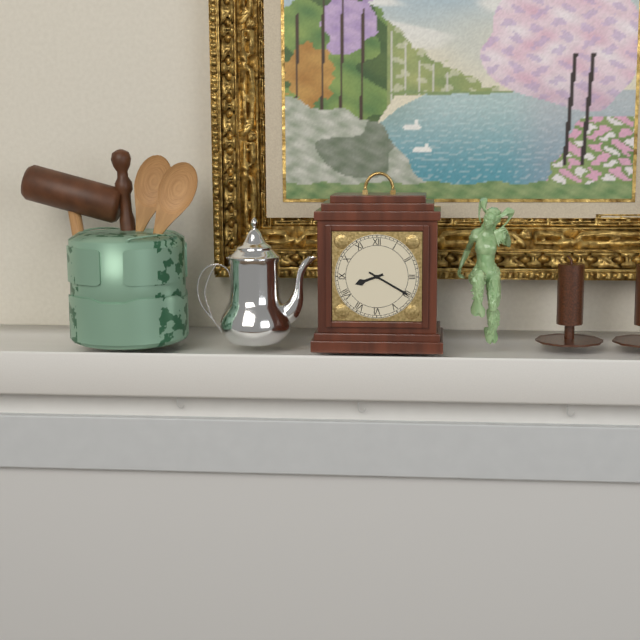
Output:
8:20
